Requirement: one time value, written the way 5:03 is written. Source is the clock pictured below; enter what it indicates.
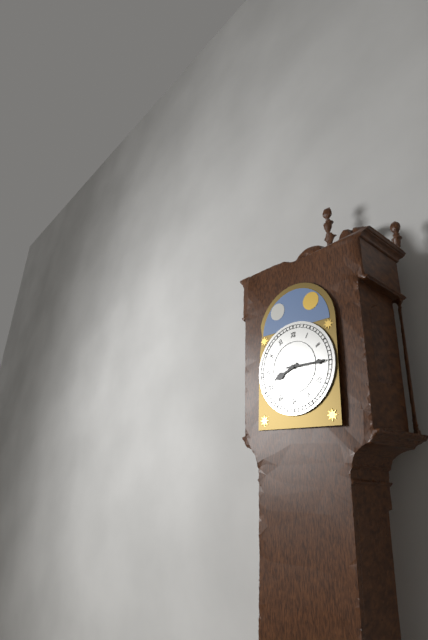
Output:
8:15
